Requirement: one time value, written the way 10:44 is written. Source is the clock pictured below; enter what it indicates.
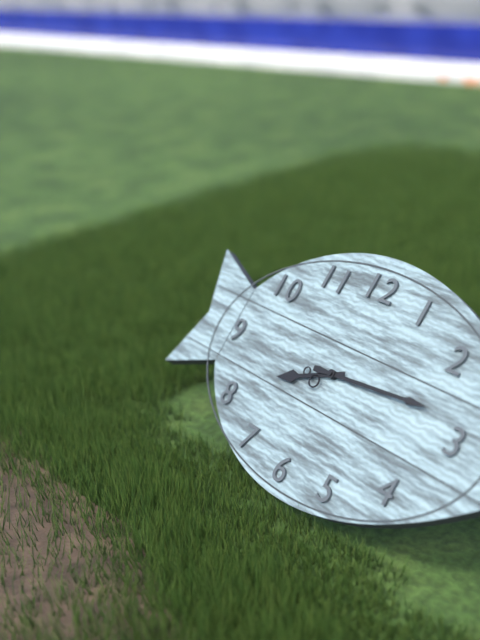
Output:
8:14
